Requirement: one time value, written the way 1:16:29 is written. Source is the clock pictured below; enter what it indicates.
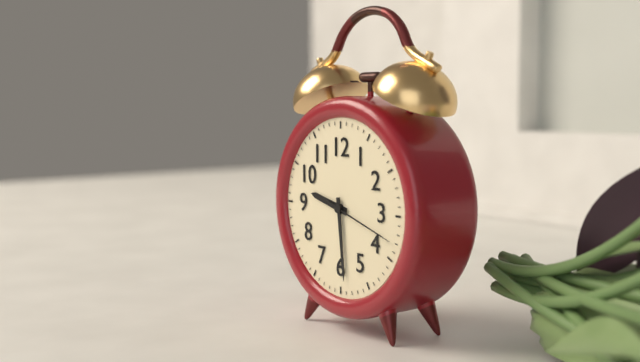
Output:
9:29:18
